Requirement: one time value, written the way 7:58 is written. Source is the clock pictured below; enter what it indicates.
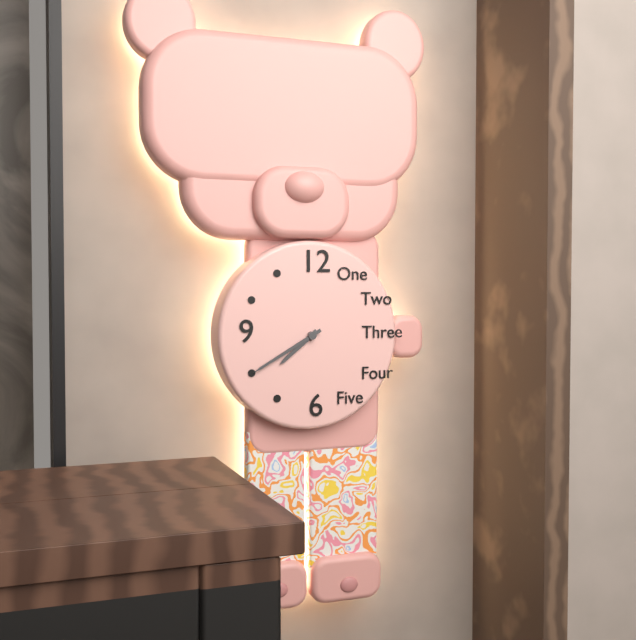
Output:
7:40
